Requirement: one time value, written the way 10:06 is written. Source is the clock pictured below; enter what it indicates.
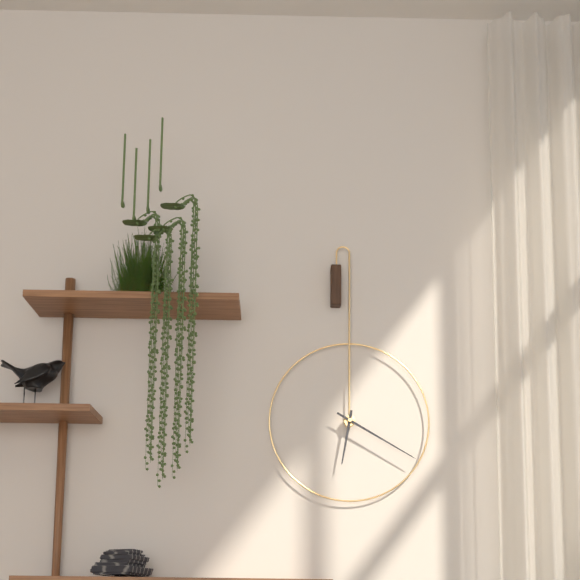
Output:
6:20
